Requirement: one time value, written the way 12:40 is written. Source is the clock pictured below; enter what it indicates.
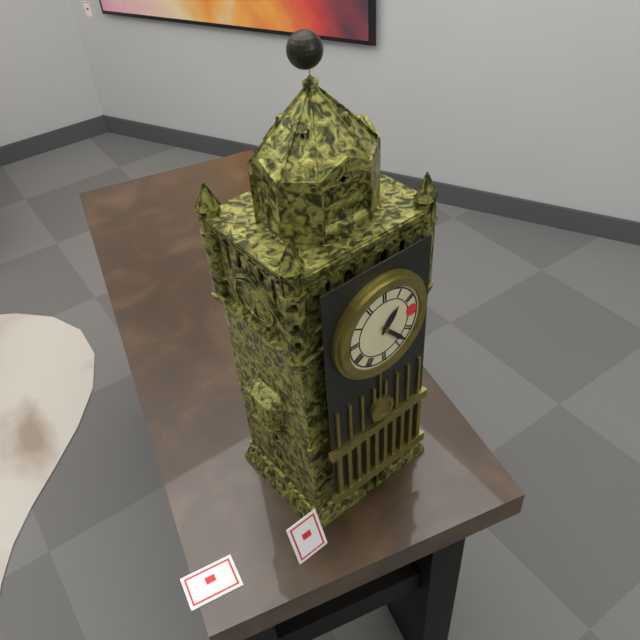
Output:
1:23
